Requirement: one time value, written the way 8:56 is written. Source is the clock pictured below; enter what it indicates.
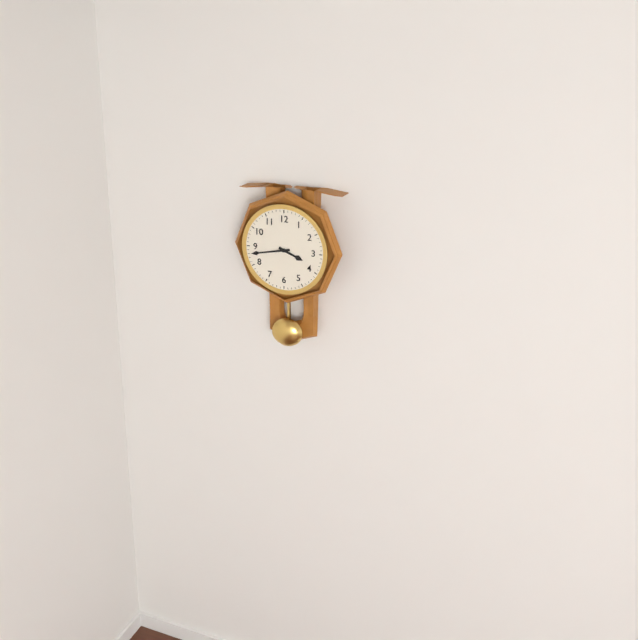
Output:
3:43
